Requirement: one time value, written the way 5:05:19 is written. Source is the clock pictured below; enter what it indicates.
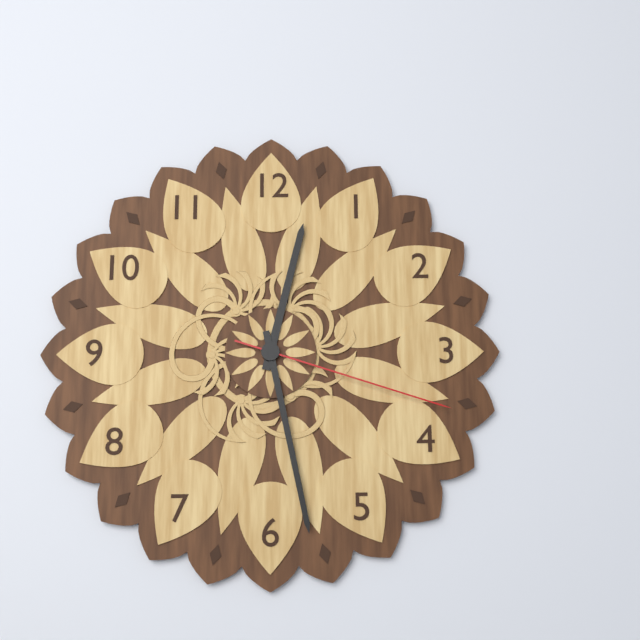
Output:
12:28:18
